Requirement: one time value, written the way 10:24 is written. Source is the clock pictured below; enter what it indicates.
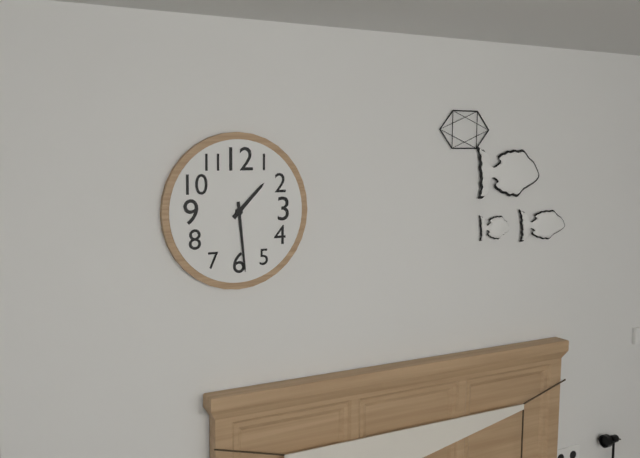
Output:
1:29
